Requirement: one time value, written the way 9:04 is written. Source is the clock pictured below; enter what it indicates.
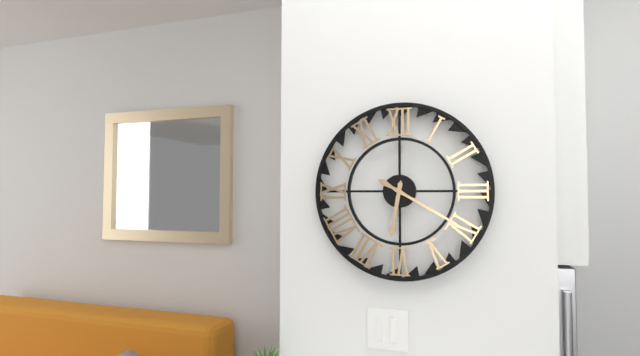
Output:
6:20
